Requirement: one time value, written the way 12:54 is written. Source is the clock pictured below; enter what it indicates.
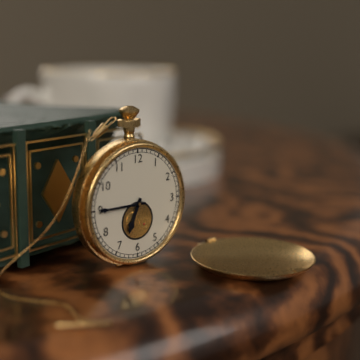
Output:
6:45
